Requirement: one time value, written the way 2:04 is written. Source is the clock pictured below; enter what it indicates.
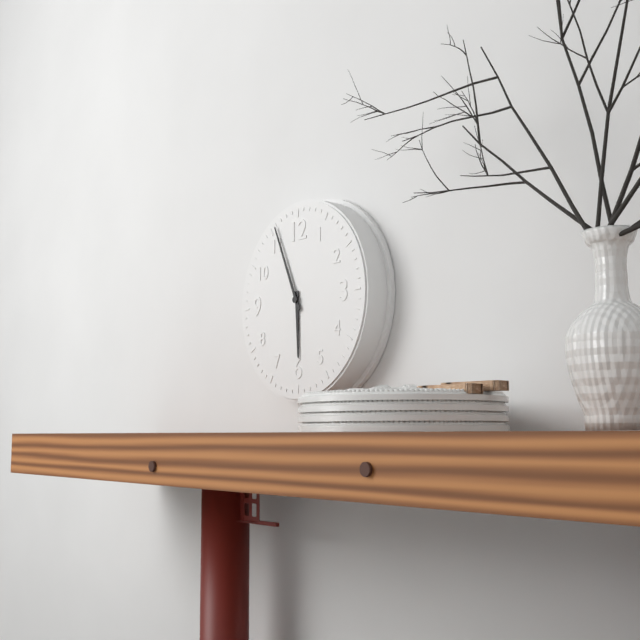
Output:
5:56
